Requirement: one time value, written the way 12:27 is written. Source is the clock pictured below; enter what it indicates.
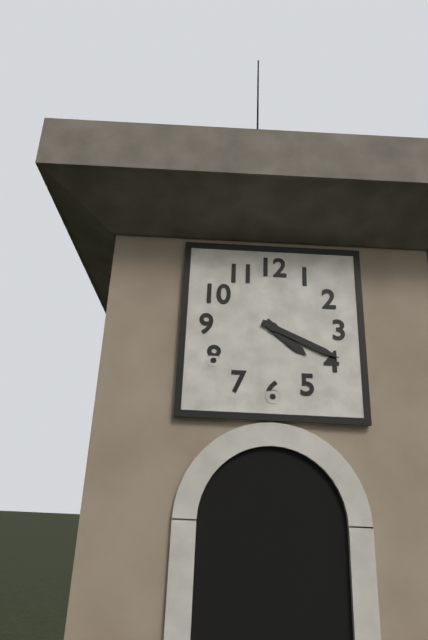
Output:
4:19
